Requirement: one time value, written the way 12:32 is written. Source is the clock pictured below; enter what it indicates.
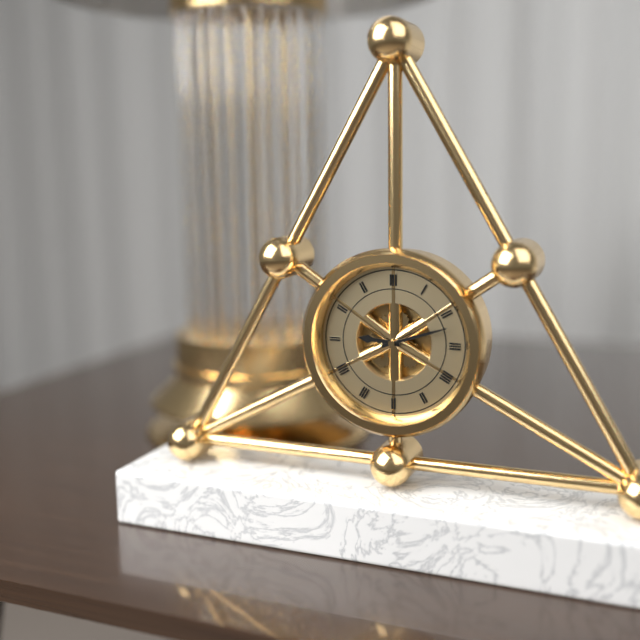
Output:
9:12
